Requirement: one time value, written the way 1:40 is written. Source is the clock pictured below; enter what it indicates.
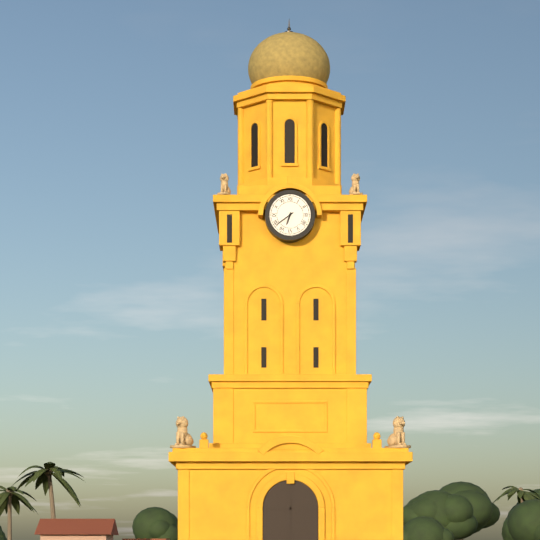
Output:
6:39
